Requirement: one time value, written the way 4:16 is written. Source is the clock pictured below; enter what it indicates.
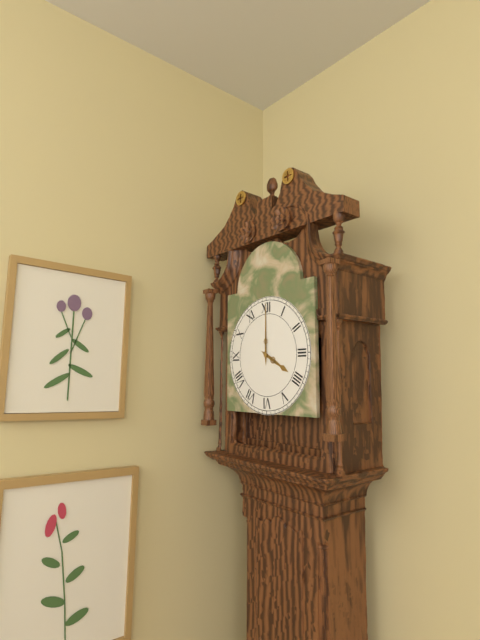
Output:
4:00
